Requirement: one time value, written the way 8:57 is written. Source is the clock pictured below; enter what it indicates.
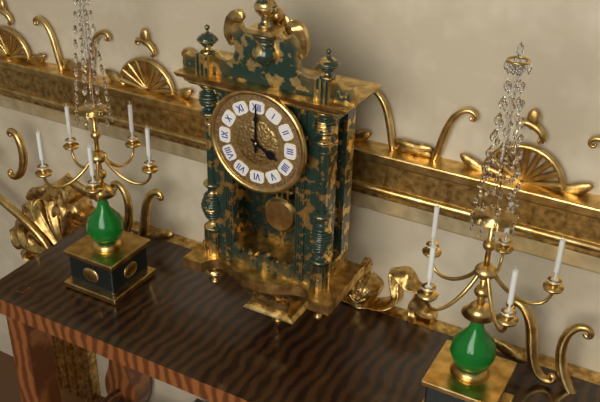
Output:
4:00
